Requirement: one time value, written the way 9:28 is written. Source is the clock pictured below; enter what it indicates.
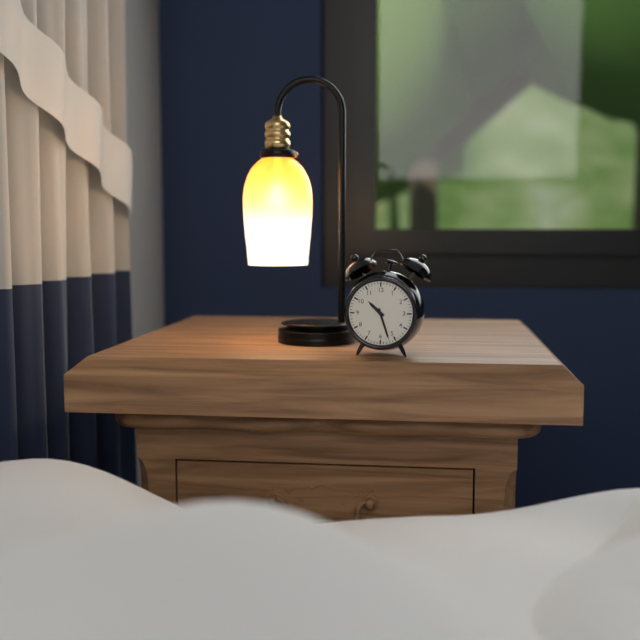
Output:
10:27
